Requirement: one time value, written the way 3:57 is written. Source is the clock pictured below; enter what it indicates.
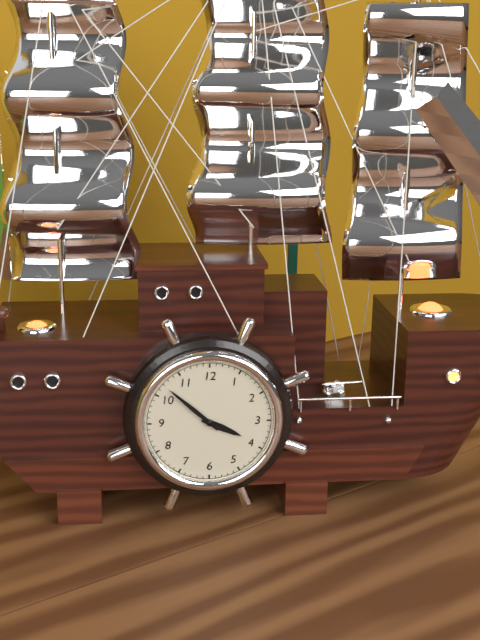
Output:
3:52
